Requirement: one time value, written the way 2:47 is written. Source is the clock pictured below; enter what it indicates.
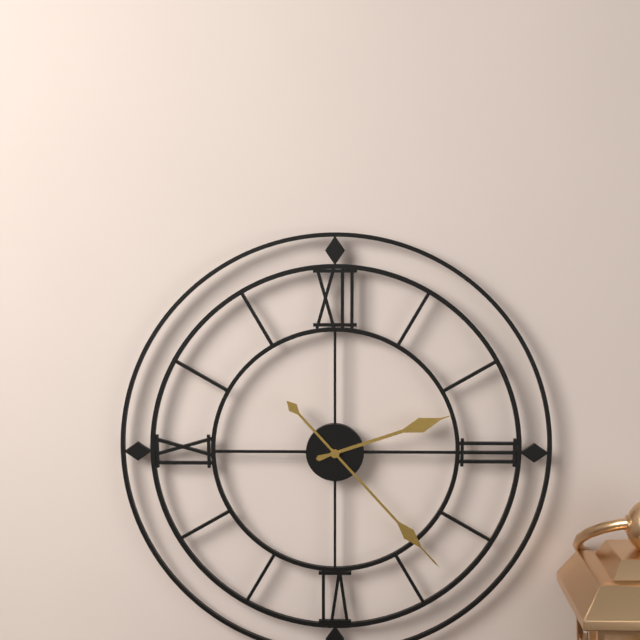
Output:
2:23
